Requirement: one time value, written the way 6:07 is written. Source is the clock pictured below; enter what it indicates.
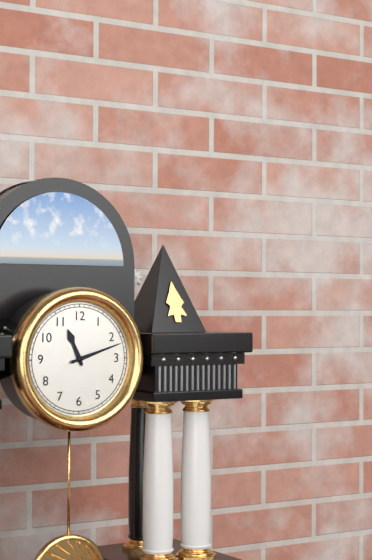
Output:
11:12
